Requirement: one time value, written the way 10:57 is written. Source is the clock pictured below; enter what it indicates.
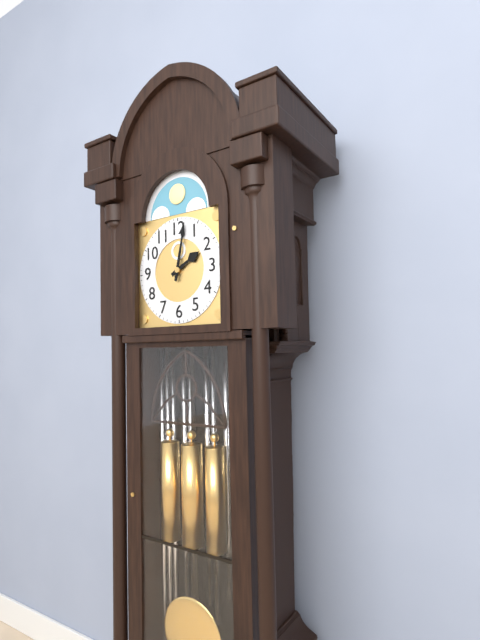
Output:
2:02
